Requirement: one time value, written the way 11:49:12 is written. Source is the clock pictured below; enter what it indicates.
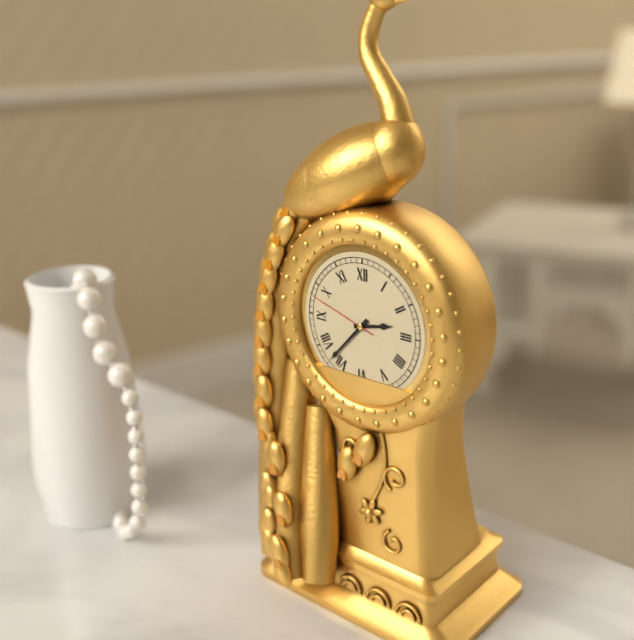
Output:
2:37:48
